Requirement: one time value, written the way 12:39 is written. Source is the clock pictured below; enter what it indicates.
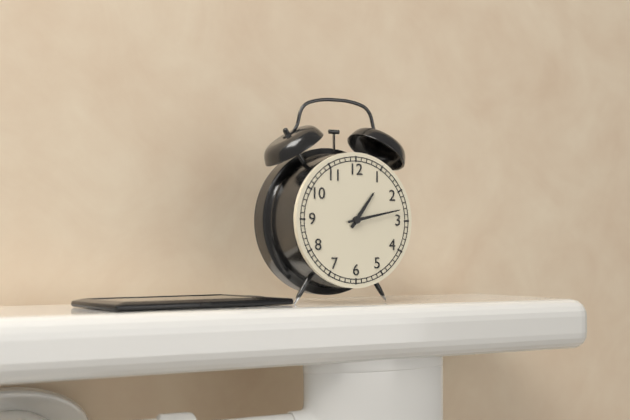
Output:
1:13
